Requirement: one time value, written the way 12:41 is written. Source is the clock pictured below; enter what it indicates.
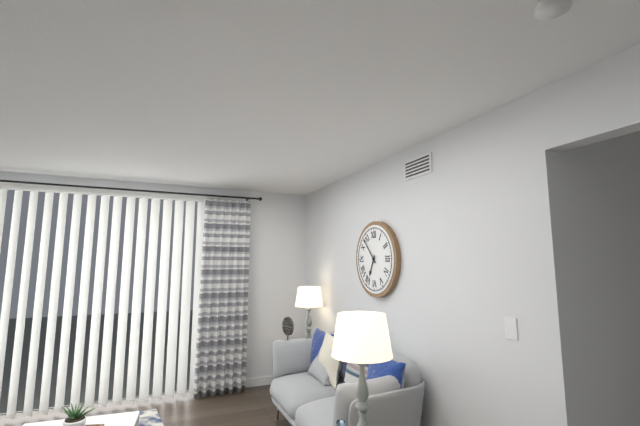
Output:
6:53
